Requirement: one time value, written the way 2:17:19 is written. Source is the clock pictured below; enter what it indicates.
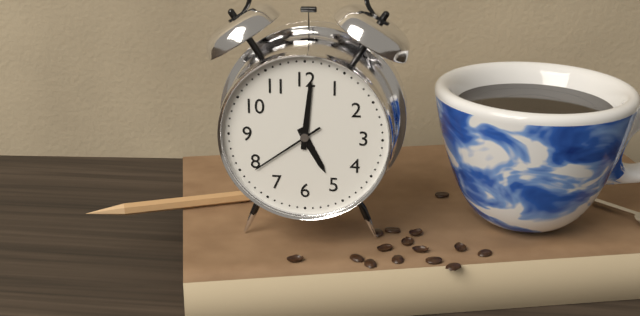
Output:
5:01:39
